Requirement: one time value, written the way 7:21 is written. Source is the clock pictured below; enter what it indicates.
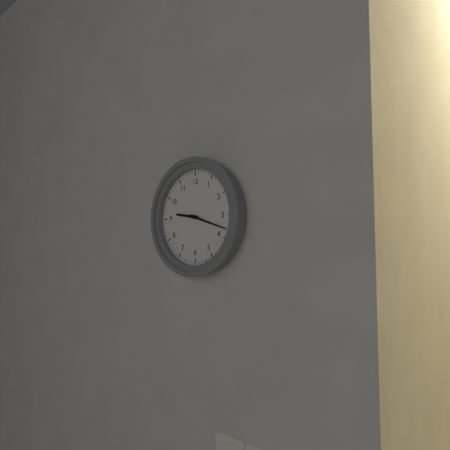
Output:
9:18
